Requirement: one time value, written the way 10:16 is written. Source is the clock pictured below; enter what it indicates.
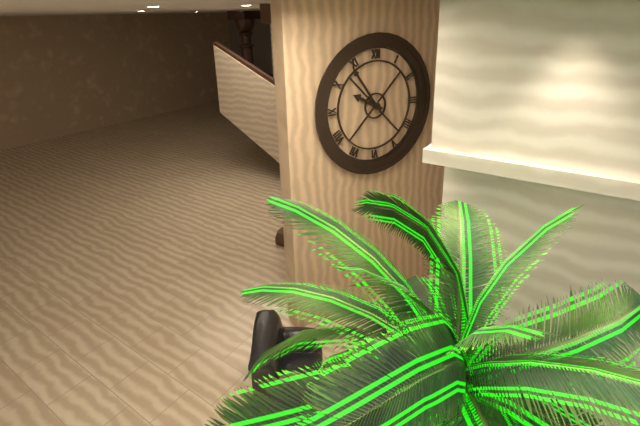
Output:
9:54
